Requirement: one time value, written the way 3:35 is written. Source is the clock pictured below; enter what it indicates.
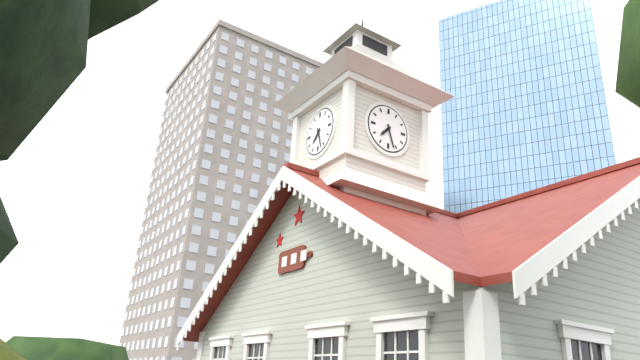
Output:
7:27
